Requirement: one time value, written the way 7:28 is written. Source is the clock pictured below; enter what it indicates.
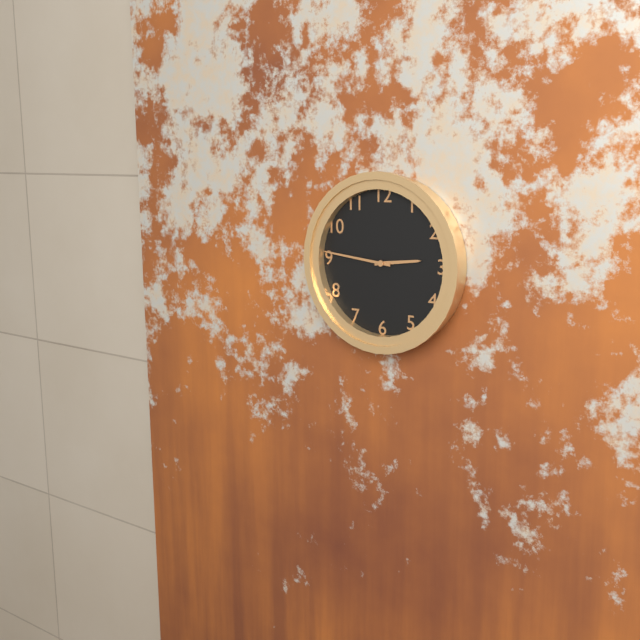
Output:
2:46
